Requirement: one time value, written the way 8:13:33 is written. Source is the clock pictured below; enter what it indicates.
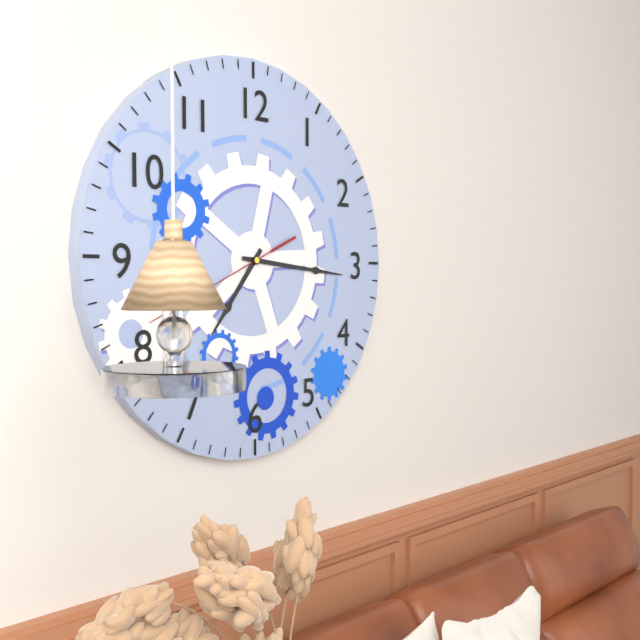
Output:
7:16:41
